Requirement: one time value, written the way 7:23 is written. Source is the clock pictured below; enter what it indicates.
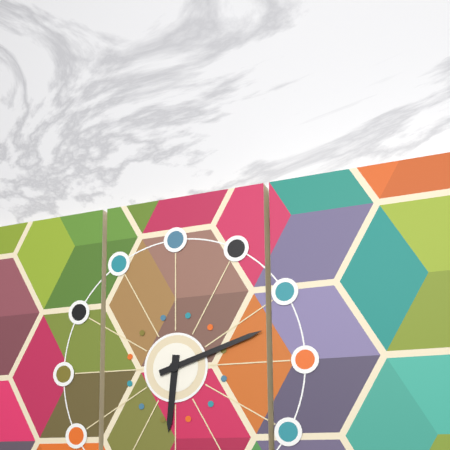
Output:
6:12
